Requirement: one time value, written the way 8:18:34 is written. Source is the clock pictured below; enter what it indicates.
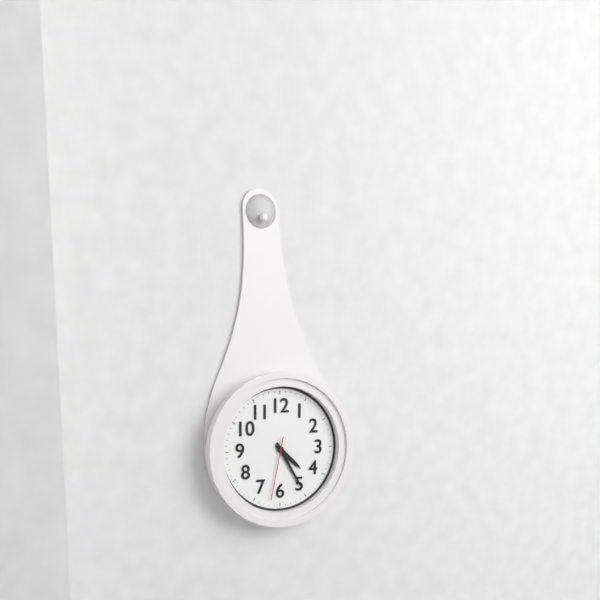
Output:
4:25:32
